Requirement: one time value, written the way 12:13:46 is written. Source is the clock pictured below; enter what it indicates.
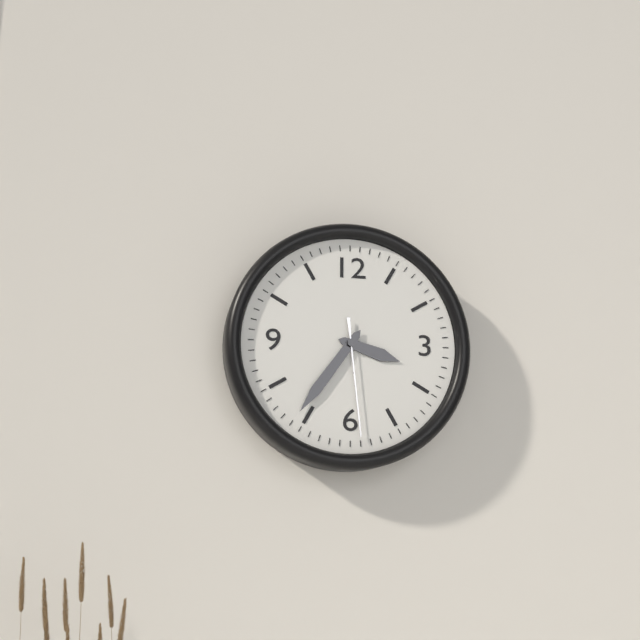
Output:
3:36:29
